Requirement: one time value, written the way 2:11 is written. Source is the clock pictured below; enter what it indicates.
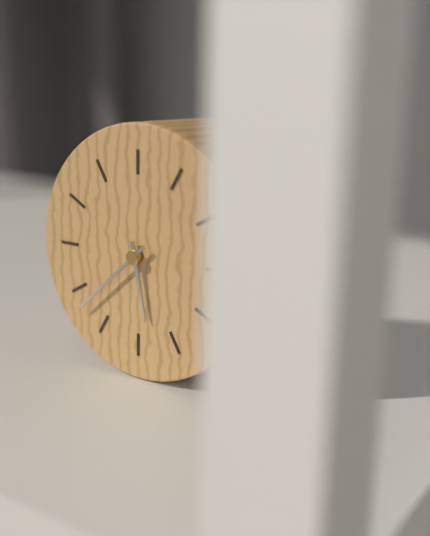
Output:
5:38
